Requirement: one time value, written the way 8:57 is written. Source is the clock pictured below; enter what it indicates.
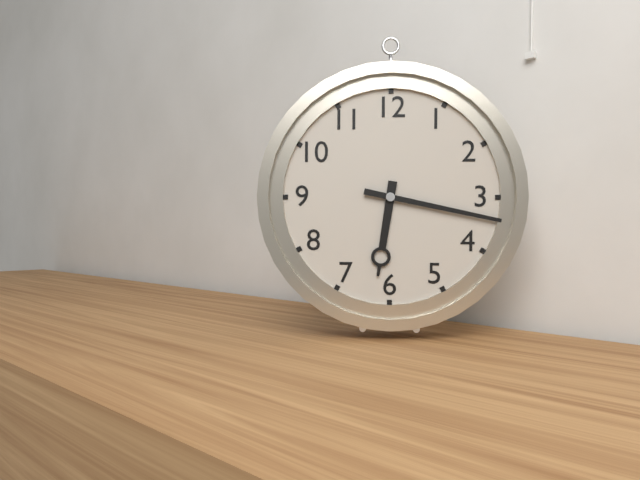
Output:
6:17
